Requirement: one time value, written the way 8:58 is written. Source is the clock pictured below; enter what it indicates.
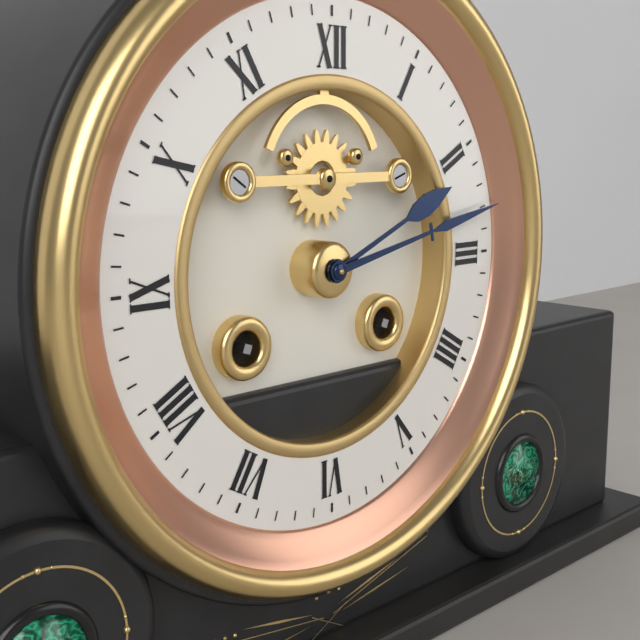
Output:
2:13
